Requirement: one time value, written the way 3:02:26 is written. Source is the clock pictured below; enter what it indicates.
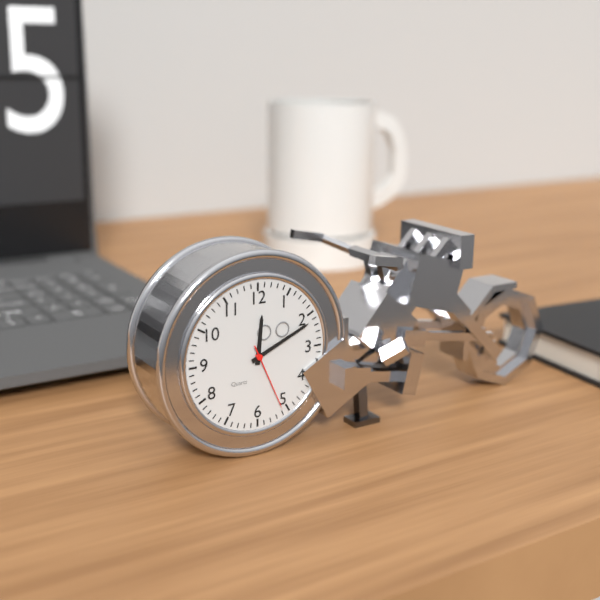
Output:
12:11:26
